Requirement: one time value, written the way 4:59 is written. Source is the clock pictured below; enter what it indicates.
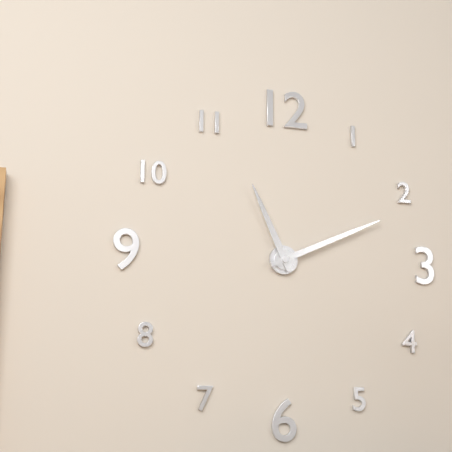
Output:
11:11
